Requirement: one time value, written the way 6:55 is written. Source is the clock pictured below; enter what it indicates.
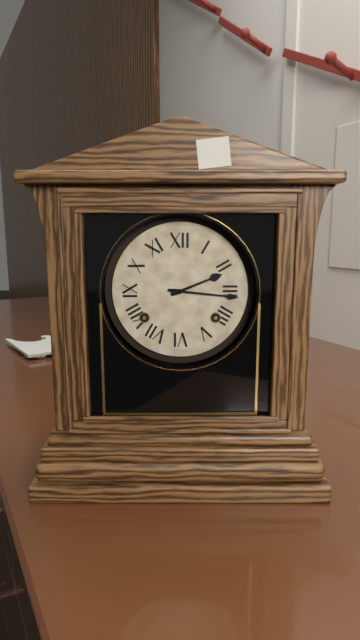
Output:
2:16
